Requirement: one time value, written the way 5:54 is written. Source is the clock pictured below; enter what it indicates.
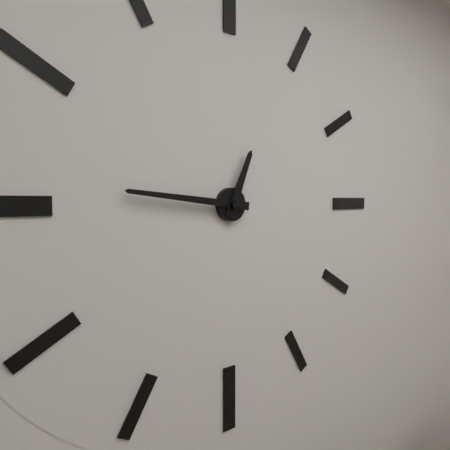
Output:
12:46
